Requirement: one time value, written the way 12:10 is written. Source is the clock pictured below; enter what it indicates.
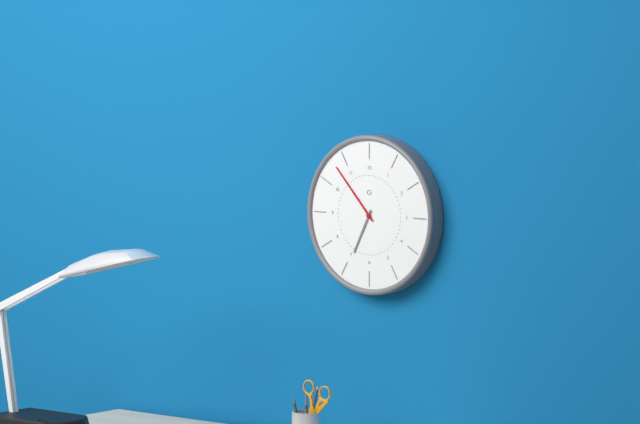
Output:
6:53
